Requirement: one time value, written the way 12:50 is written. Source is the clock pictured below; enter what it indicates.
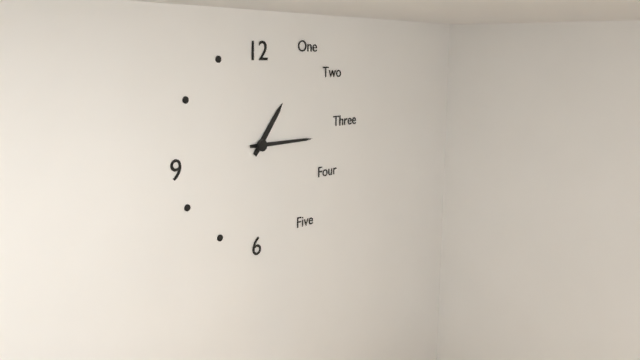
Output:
1:15
